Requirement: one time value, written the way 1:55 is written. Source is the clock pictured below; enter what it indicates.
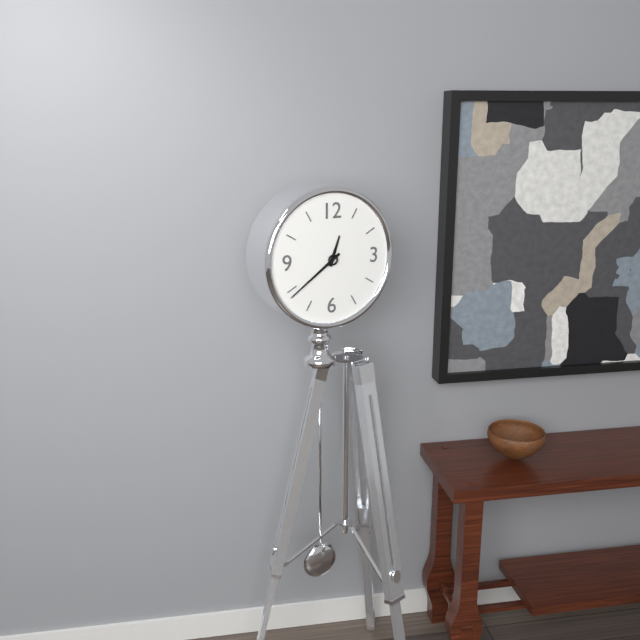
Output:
12:39
